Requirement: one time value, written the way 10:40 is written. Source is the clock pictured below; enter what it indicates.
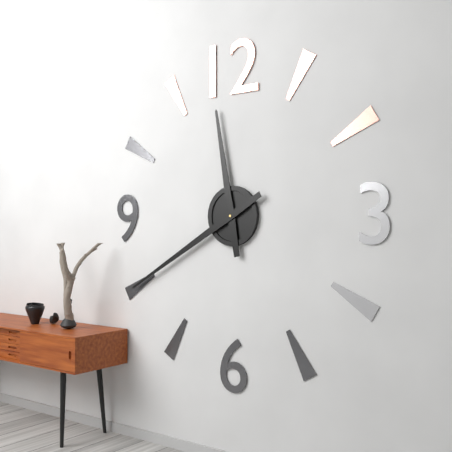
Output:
11:40
